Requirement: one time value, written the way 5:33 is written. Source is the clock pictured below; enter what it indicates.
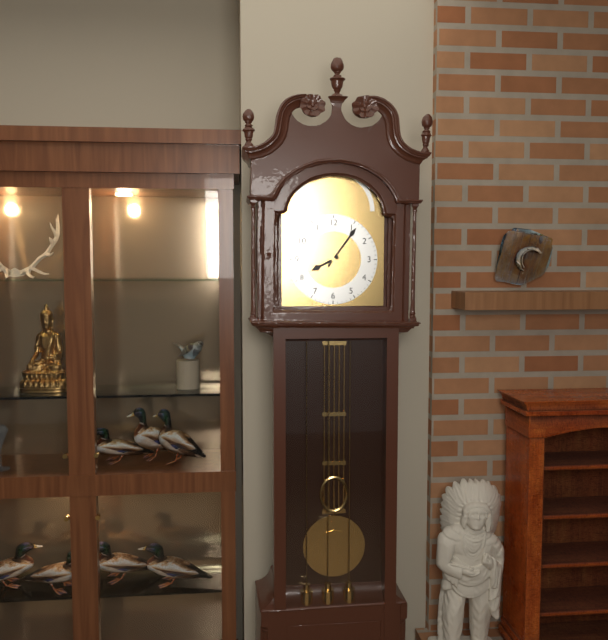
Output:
8:06
